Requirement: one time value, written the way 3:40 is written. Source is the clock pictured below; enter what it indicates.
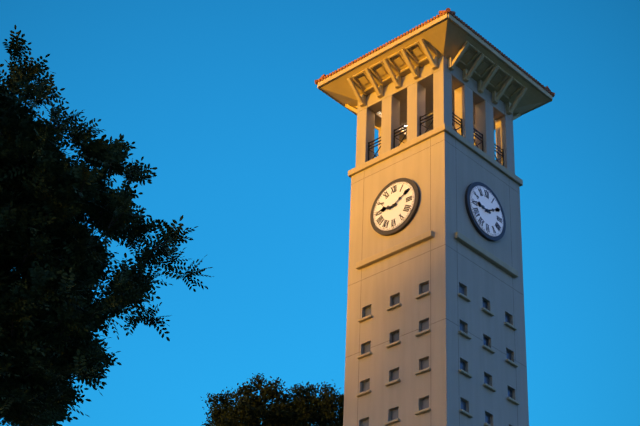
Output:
9:10
